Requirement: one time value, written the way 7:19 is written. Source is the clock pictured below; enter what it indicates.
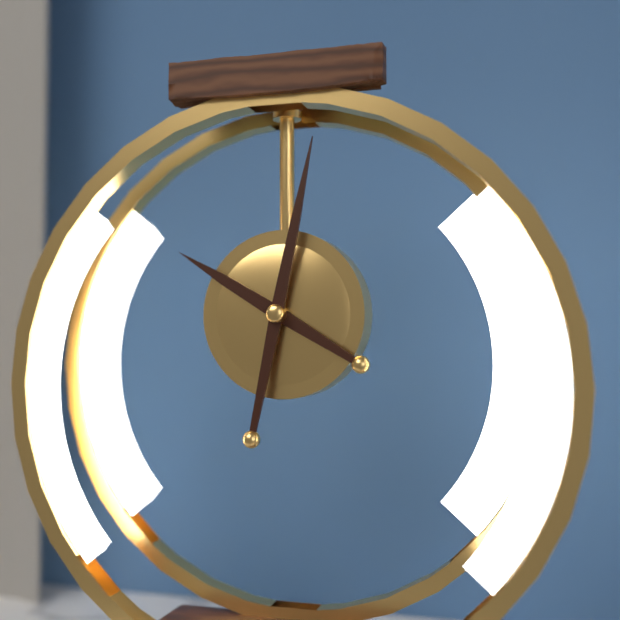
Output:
10:02
